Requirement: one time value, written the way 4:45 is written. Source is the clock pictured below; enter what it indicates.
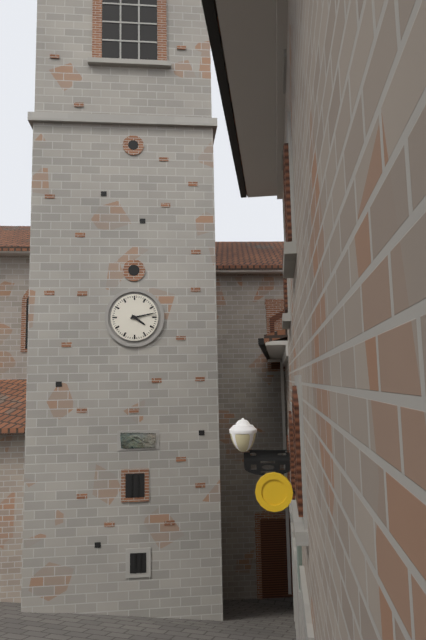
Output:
4:13
